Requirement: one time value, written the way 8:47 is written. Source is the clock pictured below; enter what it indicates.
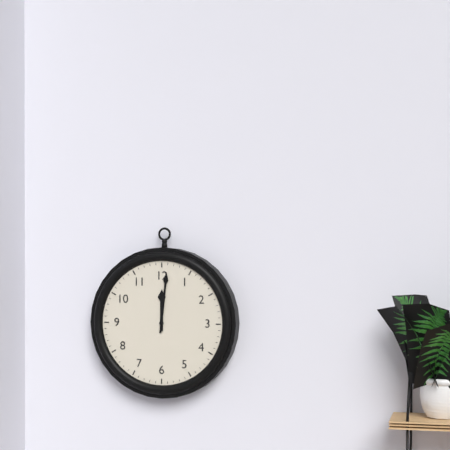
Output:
12:01
